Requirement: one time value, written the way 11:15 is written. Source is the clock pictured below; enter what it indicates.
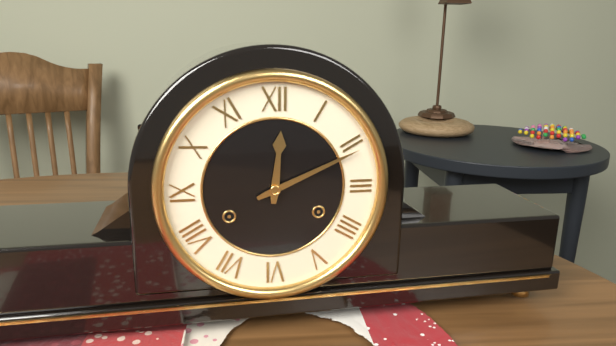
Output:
12:11
